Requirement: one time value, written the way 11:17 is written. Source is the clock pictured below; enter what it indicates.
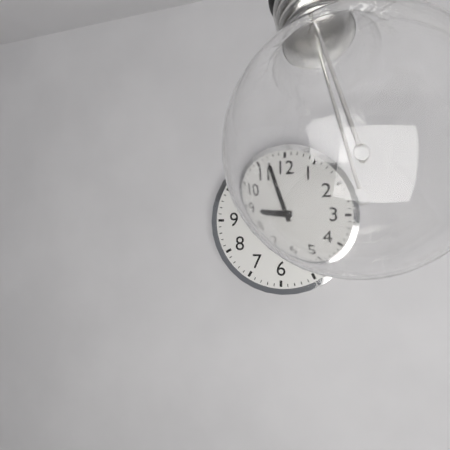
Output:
8:57
